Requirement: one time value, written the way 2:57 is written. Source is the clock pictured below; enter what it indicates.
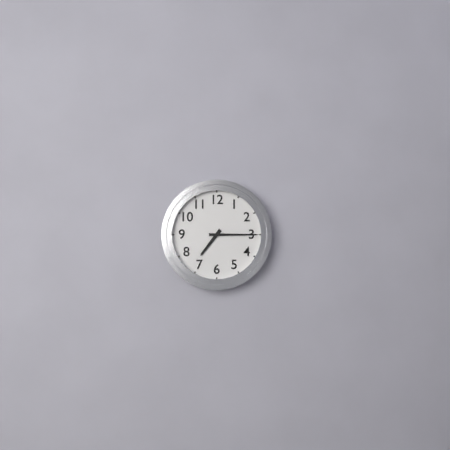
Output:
7:15
